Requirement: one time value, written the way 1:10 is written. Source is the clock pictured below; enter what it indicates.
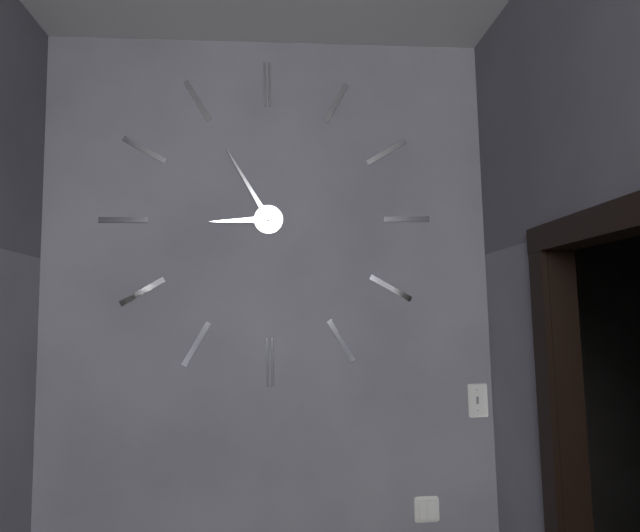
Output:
8:55
